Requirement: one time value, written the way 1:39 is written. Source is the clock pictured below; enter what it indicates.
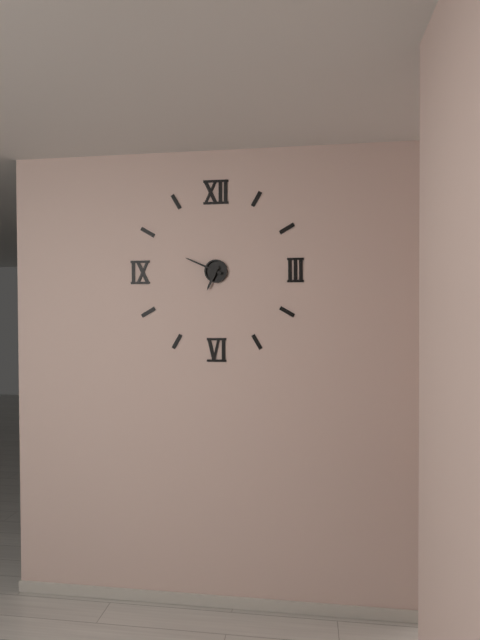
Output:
6:49
